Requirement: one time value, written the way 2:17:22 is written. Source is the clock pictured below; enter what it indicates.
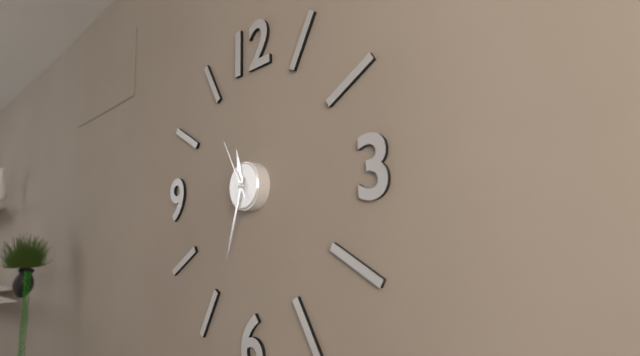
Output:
11:33:55
